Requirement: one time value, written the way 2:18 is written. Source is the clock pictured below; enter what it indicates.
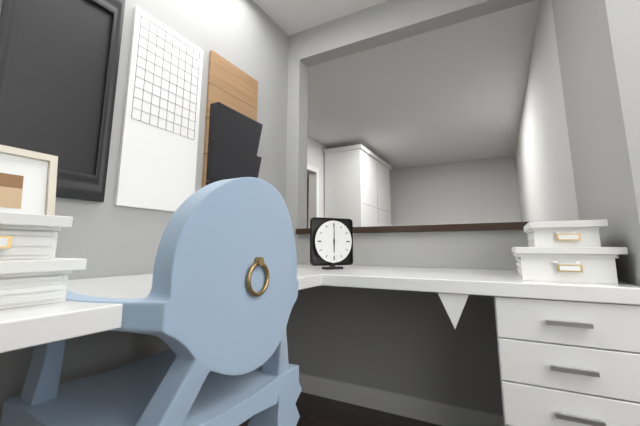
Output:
6:00
